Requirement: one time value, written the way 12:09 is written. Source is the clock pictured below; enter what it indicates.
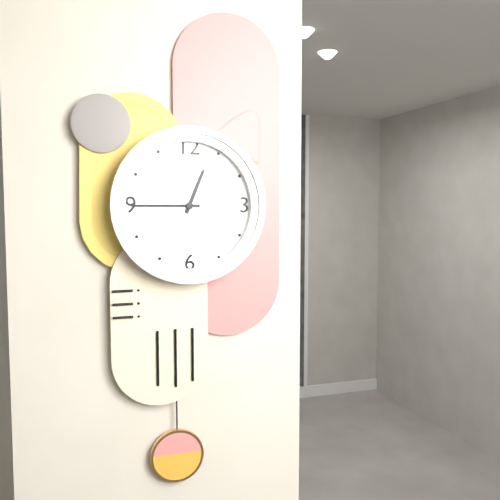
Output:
12:45
